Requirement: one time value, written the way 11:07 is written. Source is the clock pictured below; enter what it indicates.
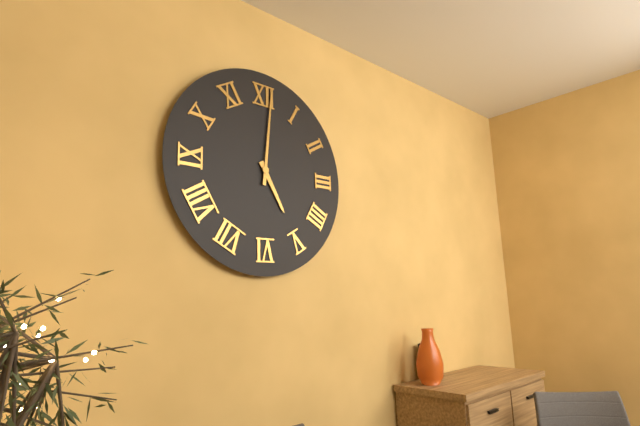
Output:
5:01
